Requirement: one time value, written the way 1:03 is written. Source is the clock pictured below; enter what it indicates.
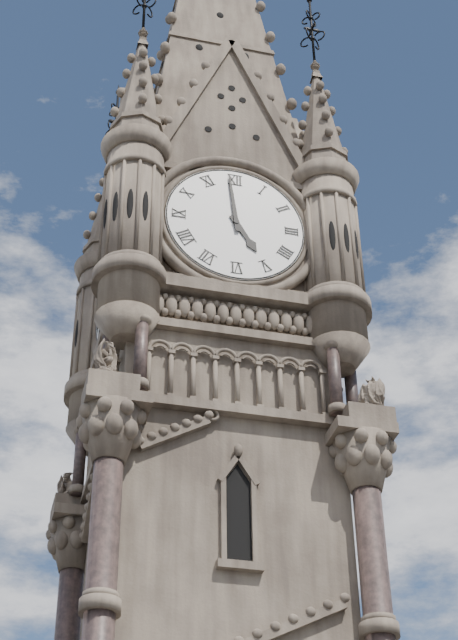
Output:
4:59
